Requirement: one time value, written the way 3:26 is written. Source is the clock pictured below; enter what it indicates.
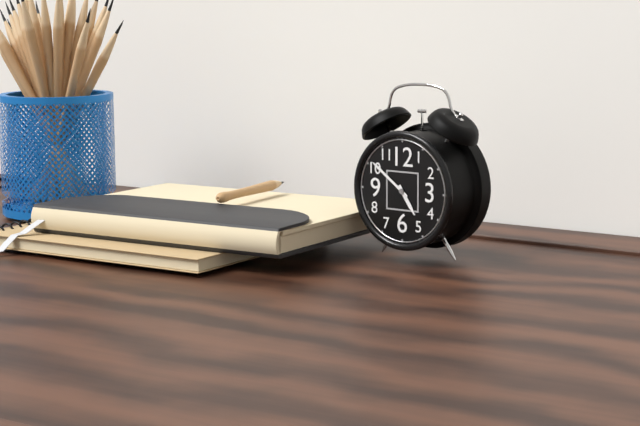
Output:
4:51
